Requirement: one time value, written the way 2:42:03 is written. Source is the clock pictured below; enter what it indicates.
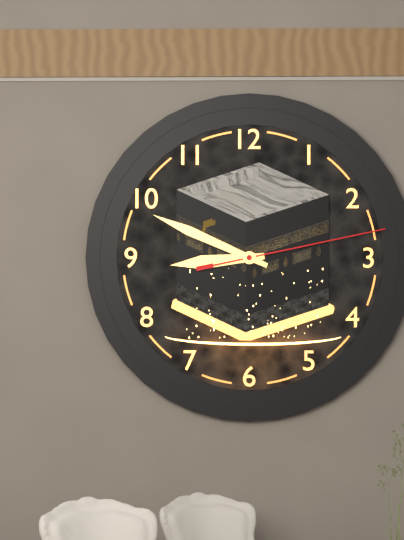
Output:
8:49:13
